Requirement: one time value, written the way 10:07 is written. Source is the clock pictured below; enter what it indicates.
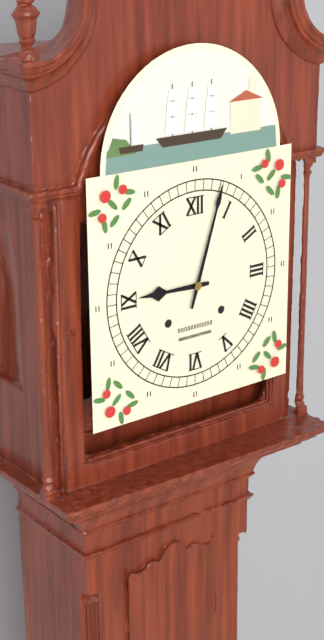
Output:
9:03
